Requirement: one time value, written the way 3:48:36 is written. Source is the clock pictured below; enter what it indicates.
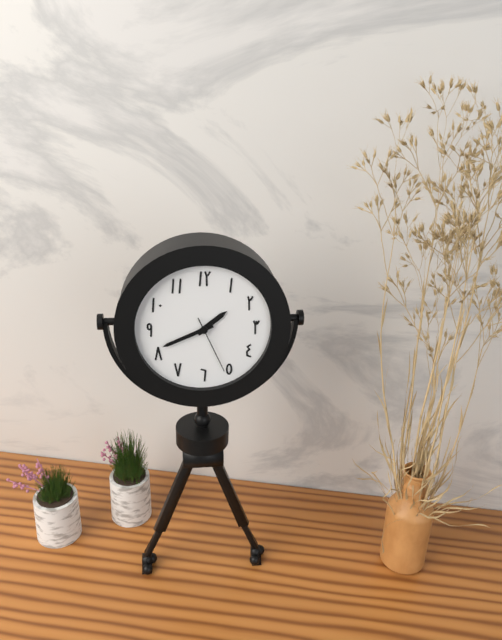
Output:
1:41:26
